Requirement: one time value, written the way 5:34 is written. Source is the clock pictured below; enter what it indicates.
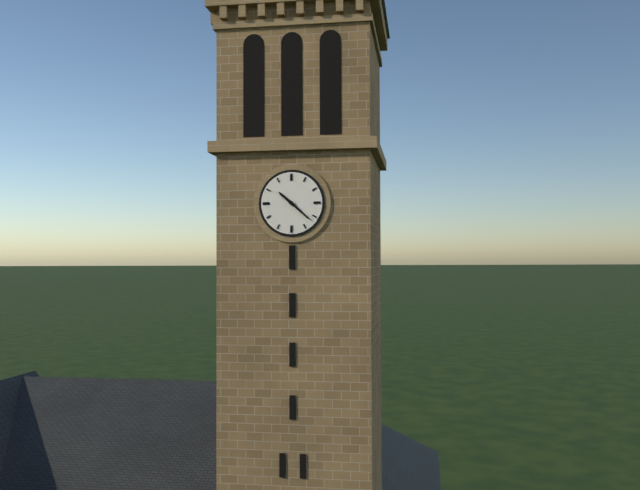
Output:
10:22
